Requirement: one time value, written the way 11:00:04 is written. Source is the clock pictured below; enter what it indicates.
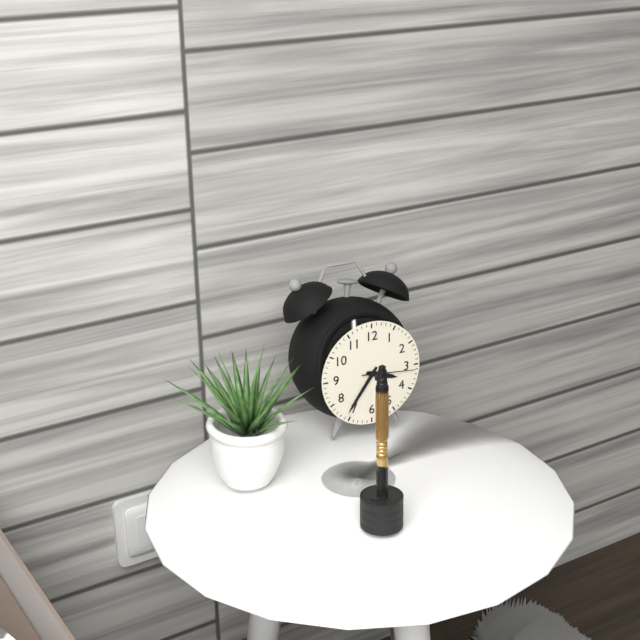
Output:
3:36:16
